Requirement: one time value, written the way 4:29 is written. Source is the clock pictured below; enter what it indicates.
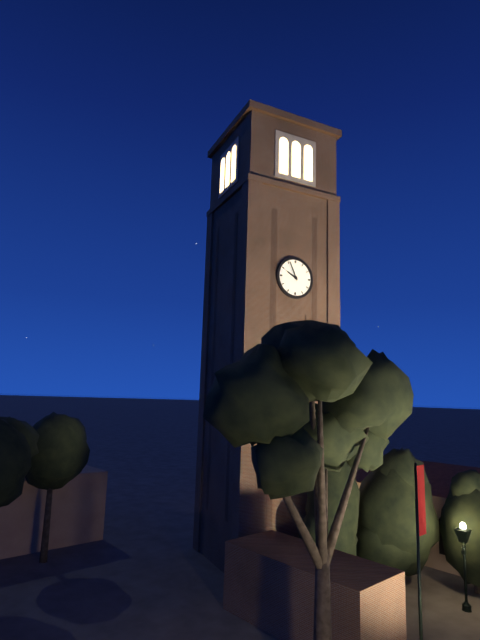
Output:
9:56
